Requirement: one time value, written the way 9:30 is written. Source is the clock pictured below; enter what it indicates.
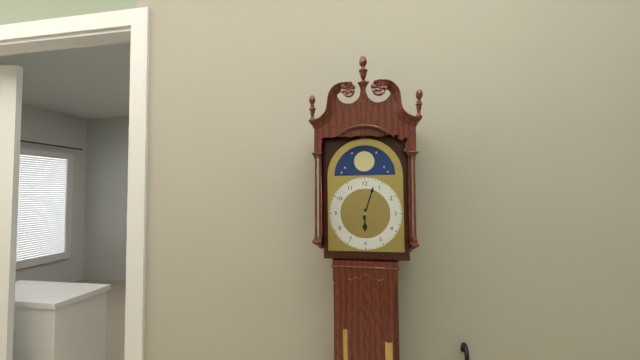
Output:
6:03
